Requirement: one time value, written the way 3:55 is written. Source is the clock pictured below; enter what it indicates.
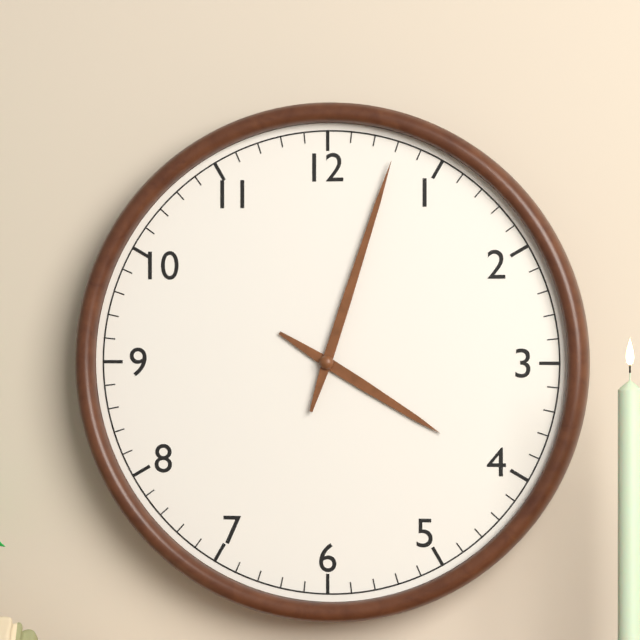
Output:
4:03
